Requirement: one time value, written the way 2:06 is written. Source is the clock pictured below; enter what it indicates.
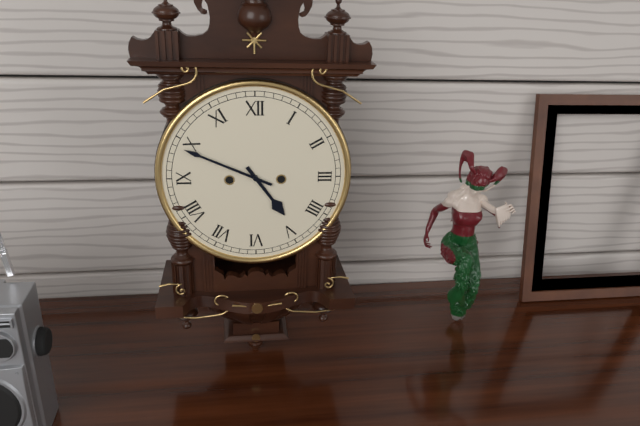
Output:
4:49
